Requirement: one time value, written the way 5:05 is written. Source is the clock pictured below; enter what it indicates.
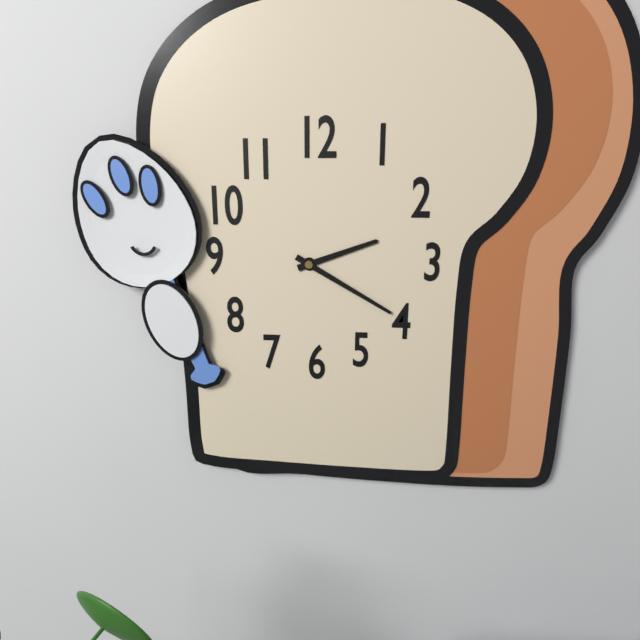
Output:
2:20
